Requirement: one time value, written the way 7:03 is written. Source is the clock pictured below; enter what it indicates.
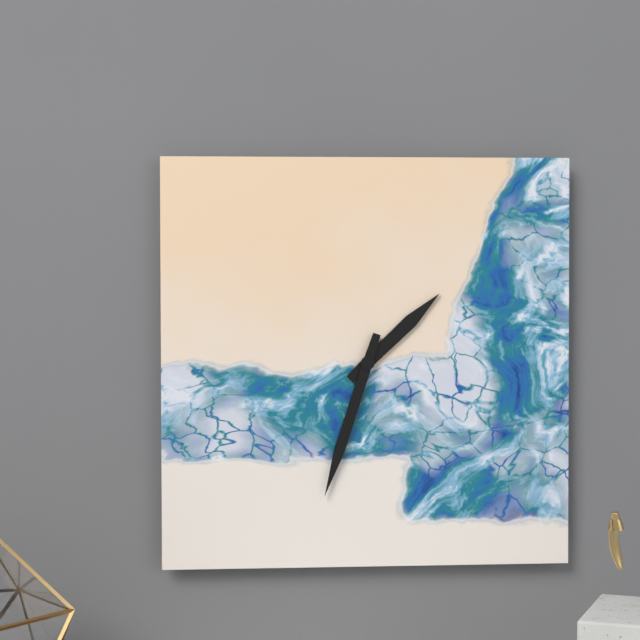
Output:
1:33
